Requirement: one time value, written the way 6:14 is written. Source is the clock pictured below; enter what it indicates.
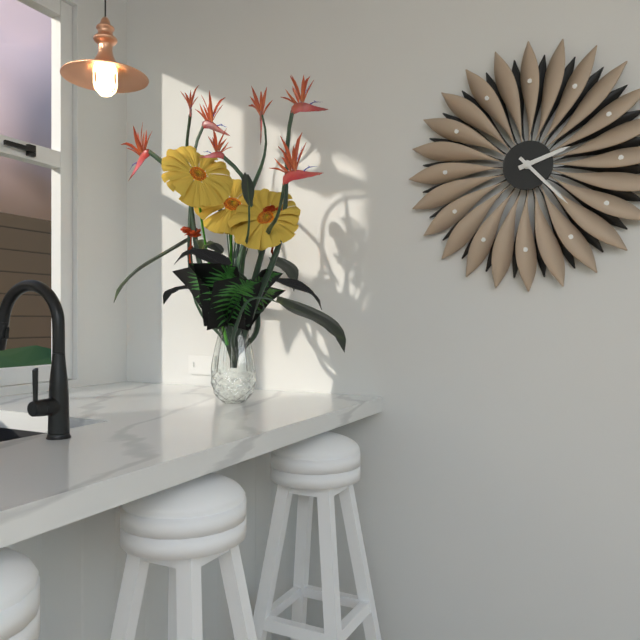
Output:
2:23
